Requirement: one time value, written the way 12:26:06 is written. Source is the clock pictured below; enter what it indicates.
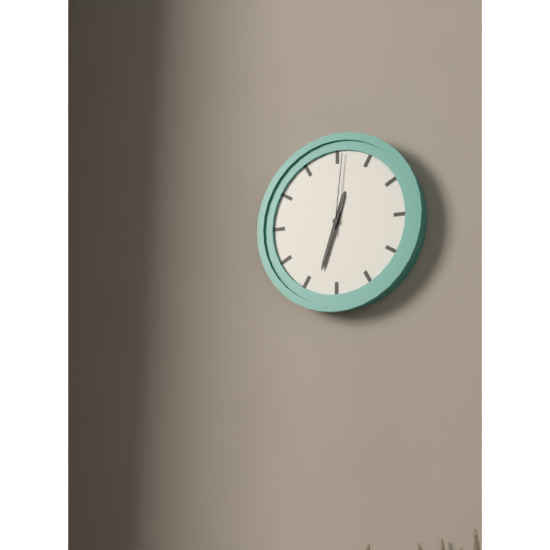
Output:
12:33:01
